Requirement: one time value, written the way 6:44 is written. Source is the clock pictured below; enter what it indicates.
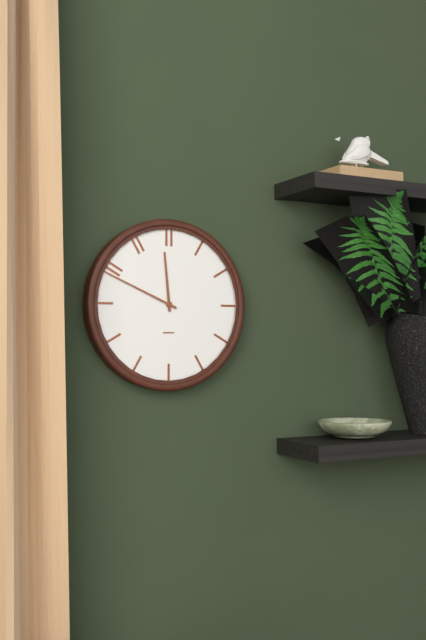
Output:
11:49
